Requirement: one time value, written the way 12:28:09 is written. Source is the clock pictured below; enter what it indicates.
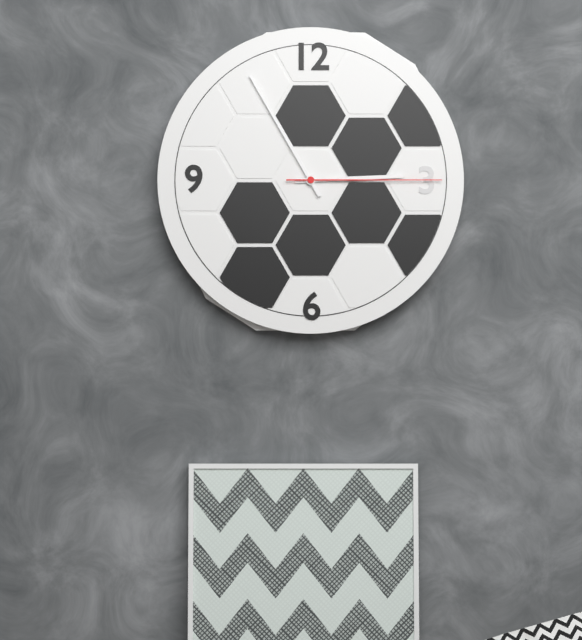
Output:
2:55:15
